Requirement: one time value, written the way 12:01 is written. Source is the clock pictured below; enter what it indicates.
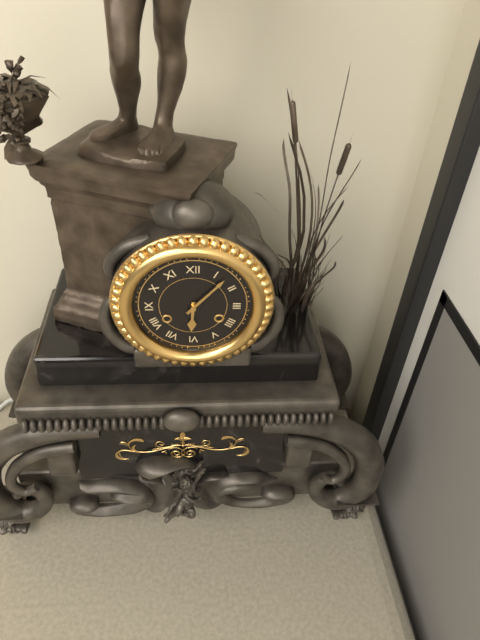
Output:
6:07
